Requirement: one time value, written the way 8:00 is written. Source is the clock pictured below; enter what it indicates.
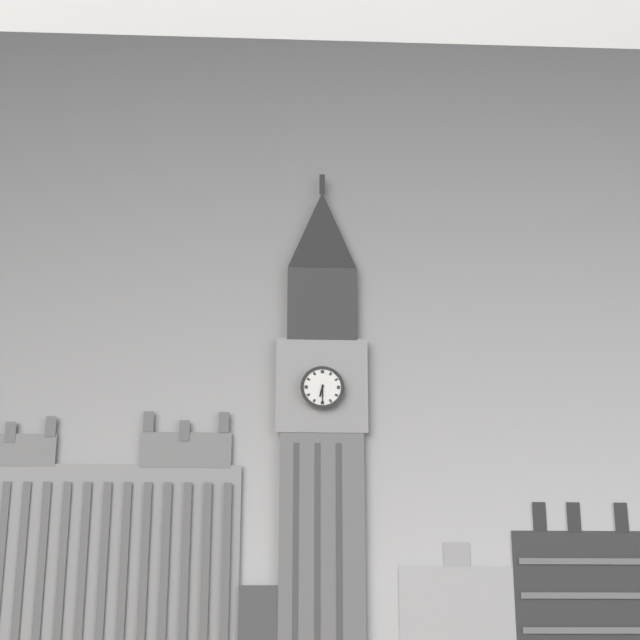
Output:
6:30
